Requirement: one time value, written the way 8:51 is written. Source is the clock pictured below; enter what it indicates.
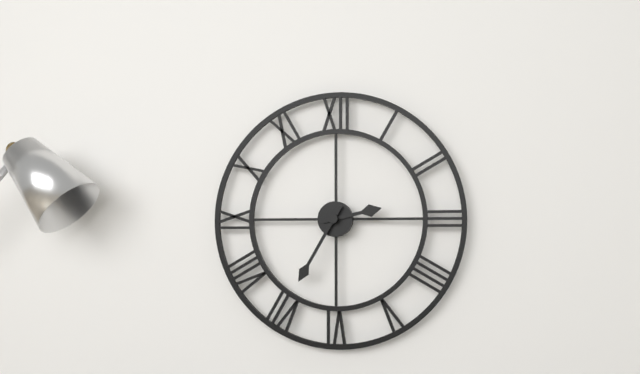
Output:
2:35
